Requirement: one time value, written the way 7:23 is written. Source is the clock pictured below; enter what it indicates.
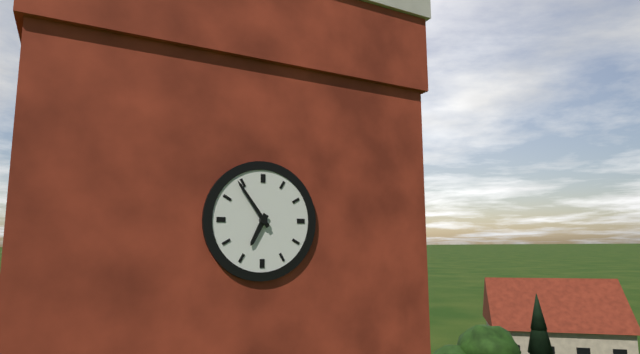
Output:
6:54
